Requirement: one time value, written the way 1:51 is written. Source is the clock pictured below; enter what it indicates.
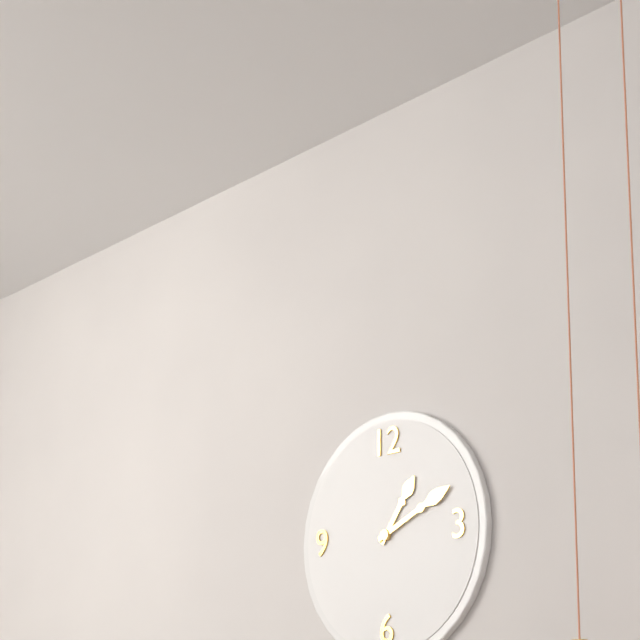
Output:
1:11
